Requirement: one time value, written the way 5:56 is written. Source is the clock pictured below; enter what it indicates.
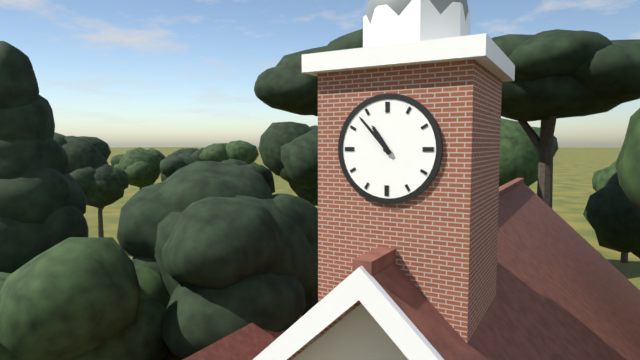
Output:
10:53
